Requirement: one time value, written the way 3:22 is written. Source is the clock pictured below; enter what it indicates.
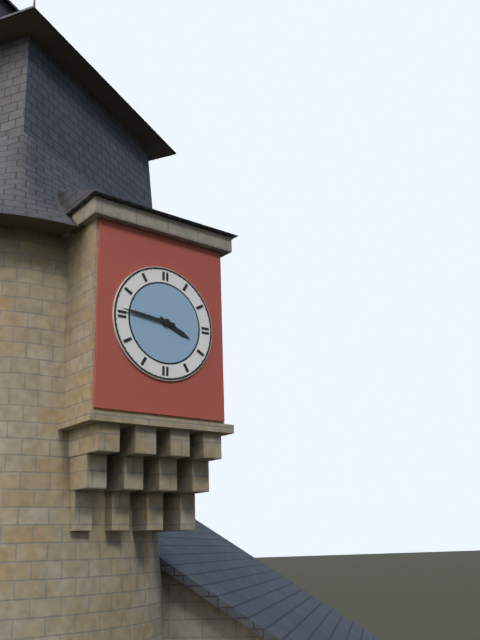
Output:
3:46
